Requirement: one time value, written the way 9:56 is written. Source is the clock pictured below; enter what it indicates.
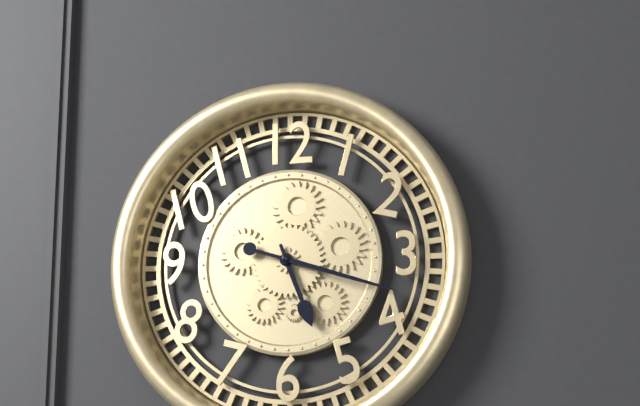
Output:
5:18
